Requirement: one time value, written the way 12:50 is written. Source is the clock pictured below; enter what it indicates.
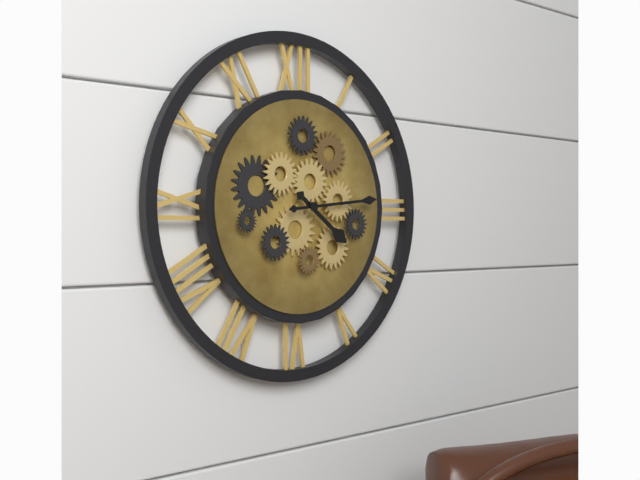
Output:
4:14
